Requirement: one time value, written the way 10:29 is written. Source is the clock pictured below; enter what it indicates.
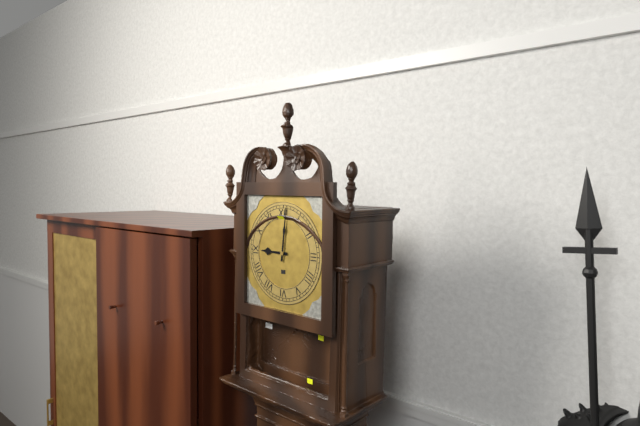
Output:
9:01
